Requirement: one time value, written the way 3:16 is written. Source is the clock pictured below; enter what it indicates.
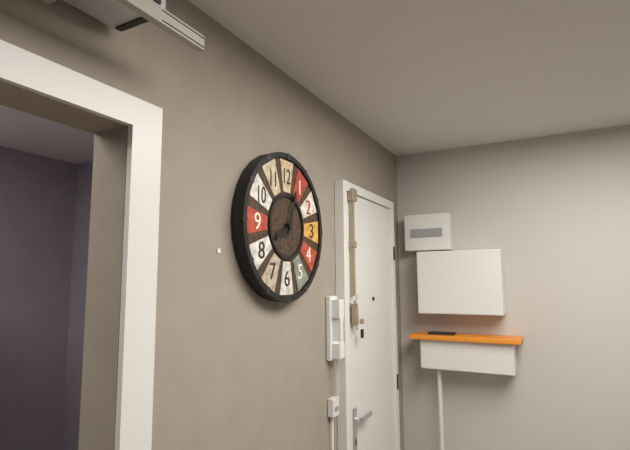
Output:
8:03
